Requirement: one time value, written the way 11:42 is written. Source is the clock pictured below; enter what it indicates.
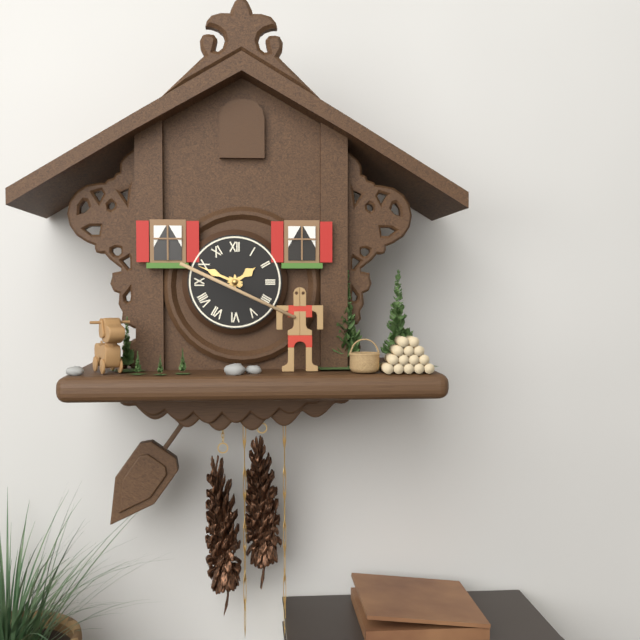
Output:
1:49
